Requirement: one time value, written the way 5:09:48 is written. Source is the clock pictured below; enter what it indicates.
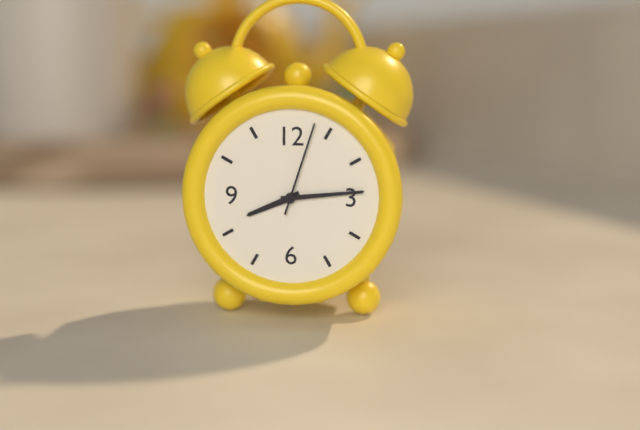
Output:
8:14:03
